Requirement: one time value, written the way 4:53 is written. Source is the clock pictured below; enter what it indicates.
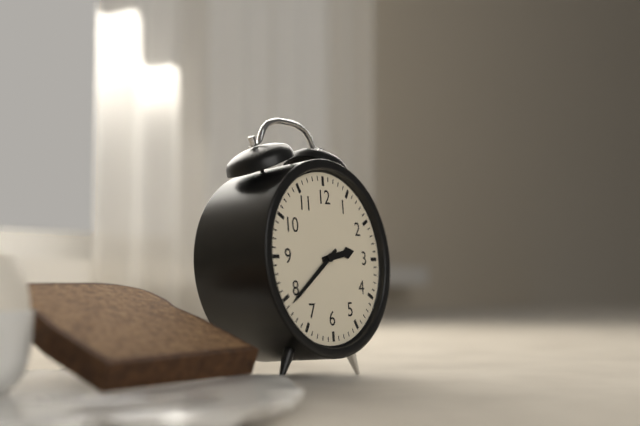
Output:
2:39
